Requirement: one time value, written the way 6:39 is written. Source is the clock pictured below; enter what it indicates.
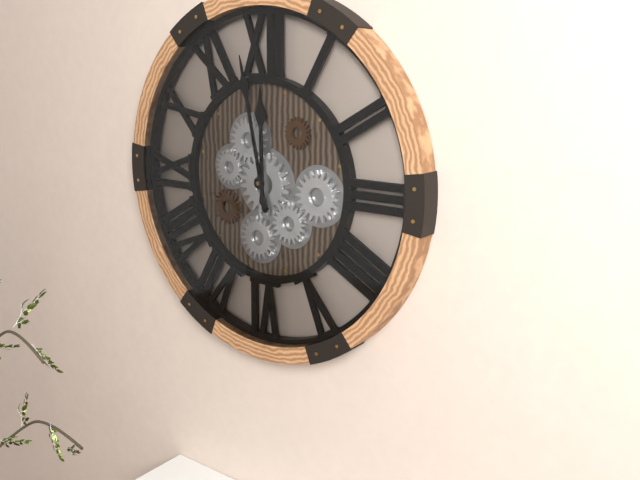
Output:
11:58
